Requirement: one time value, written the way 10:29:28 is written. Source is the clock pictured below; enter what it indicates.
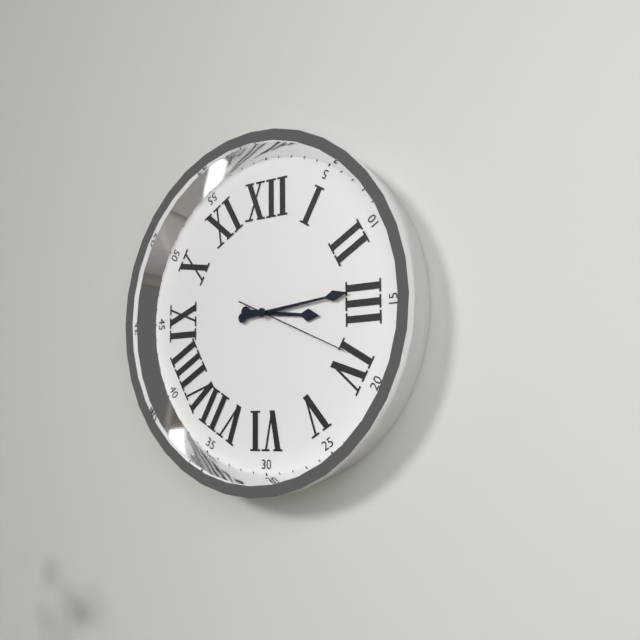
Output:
3:14:19
